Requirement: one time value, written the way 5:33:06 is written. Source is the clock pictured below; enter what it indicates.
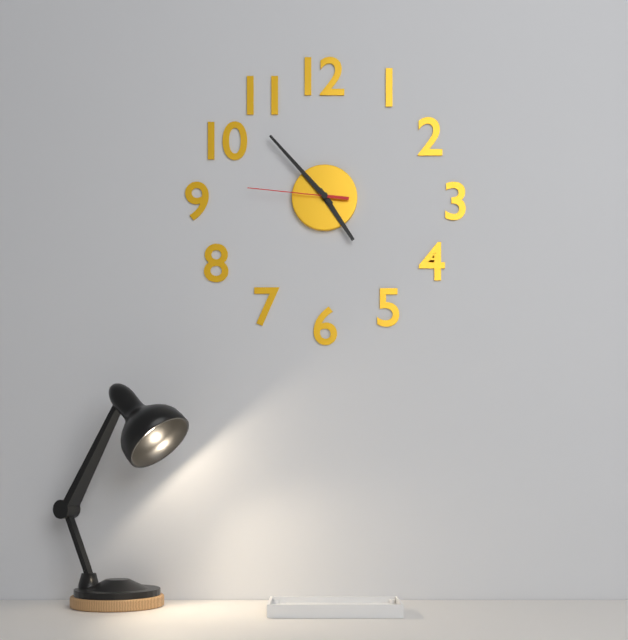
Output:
4:53:46
